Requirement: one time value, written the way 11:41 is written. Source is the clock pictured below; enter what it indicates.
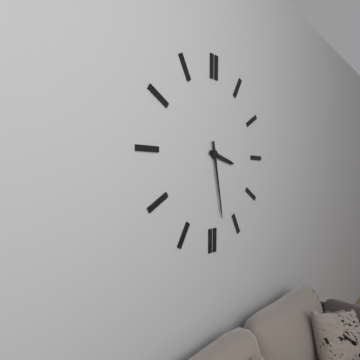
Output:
3:28
